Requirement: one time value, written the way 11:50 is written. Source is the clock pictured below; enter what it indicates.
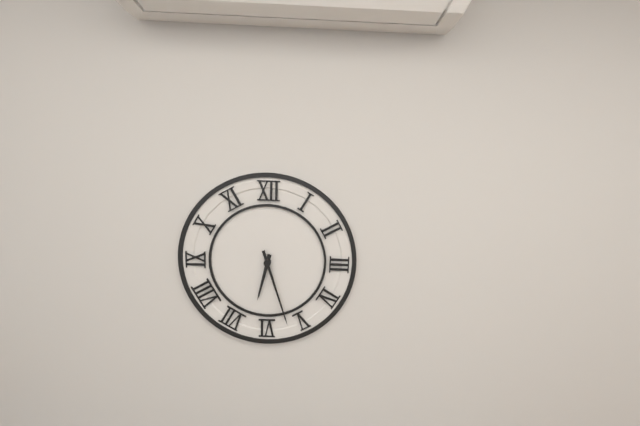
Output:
6:27
